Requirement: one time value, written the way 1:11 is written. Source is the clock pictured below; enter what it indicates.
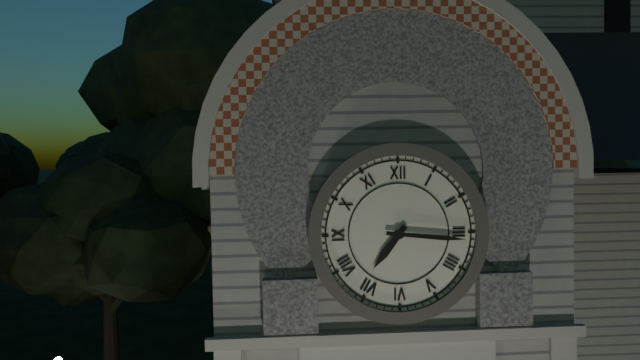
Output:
7:16
